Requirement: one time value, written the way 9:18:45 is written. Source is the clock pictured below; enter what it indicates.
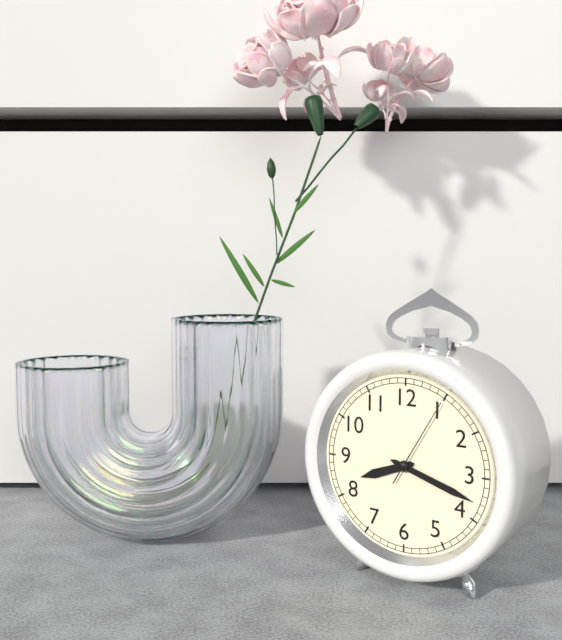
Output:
8:18:05
